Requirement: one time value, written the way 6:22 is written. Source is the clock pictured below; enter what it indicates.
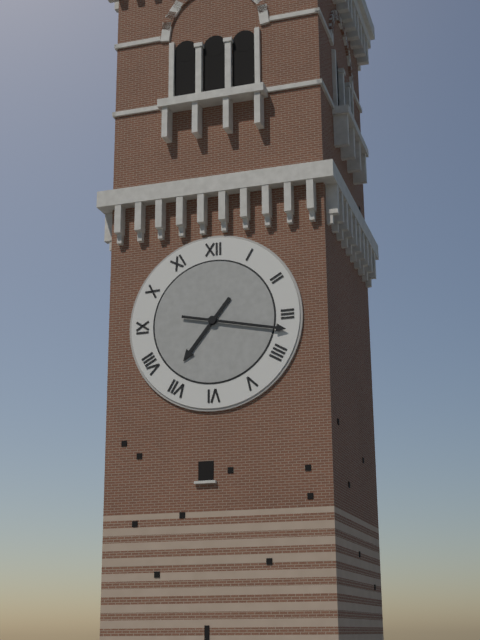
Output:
7:17
